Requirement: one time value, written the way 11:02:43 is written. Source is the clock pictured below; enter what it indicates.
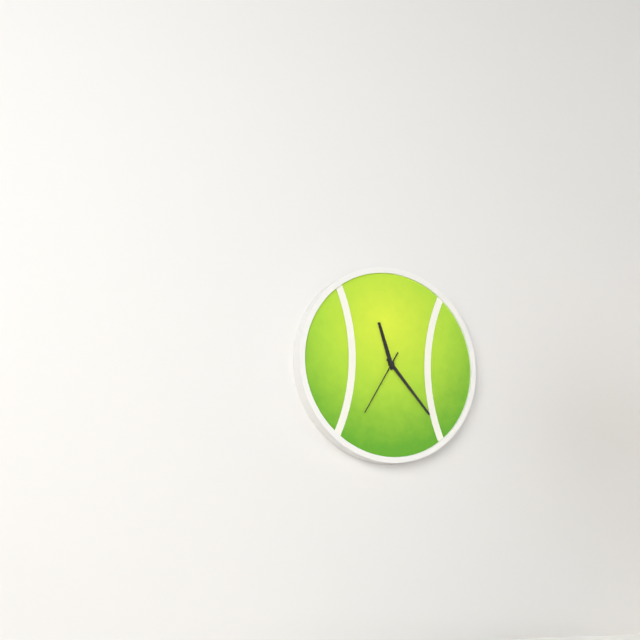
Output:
11:23:35
